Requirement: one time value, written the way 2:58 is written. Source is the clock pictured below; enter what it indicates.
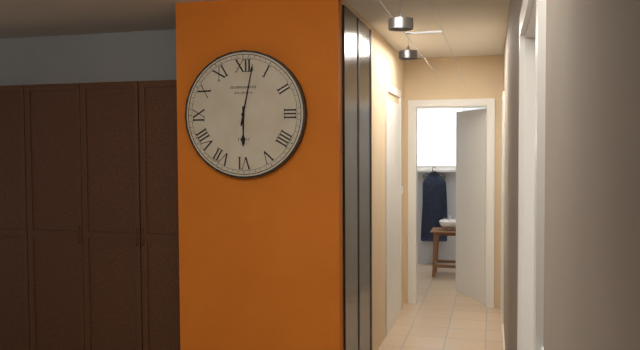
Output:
6:02
